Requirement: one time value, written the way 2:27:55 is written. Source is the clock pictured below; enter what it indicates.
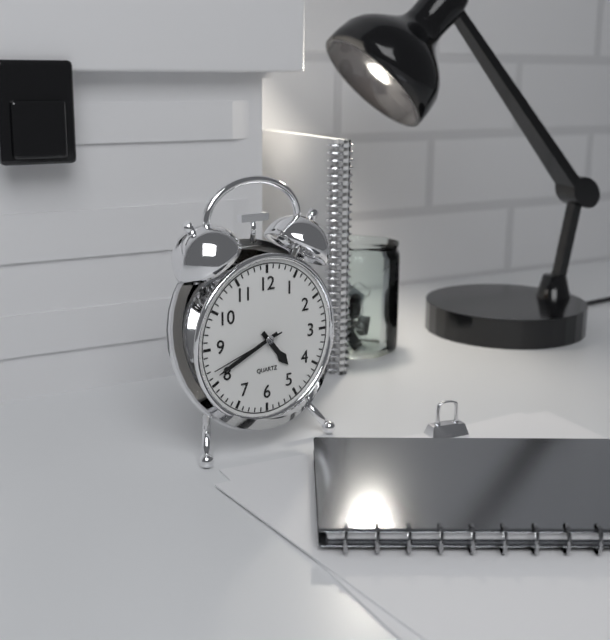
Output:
4:41:42
